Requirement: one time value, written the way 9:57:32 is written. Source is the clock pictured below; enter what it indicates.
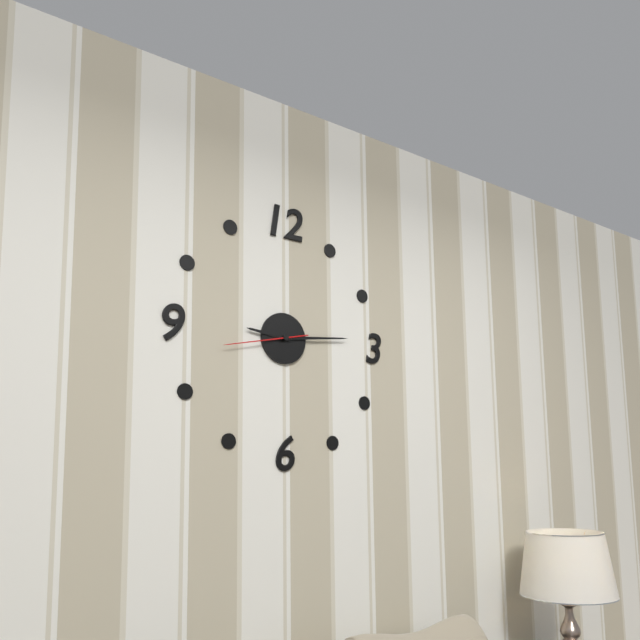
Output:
9:14:43
